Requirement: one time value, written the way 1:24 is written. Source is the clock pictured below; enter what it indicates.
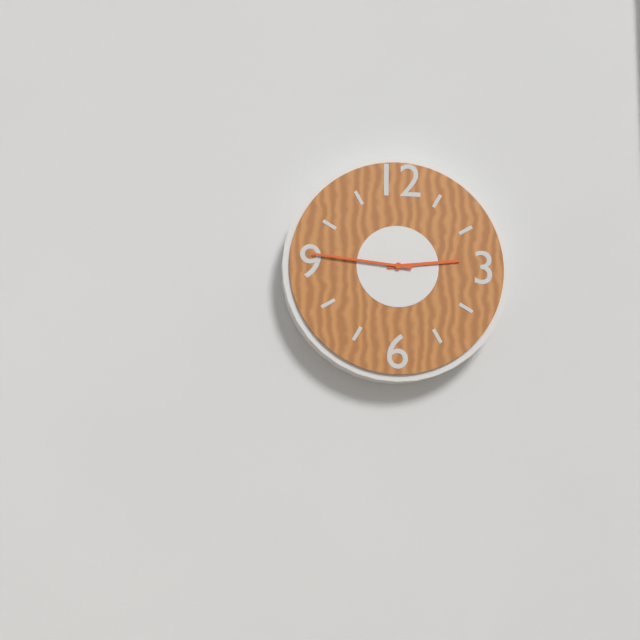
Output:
2:46
